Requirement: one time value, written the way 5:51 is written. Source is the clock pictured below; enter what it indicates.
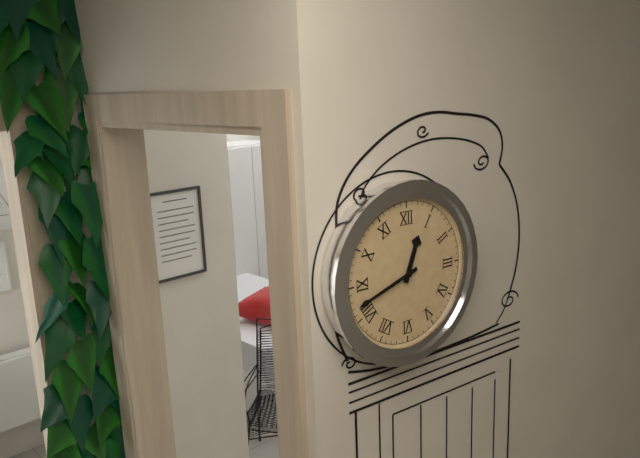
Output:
12:42
